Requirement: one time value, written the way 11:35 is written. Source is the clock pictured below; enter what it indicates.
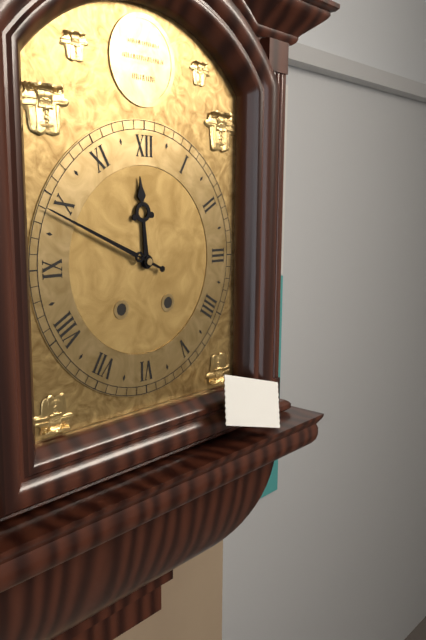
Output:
11:49
